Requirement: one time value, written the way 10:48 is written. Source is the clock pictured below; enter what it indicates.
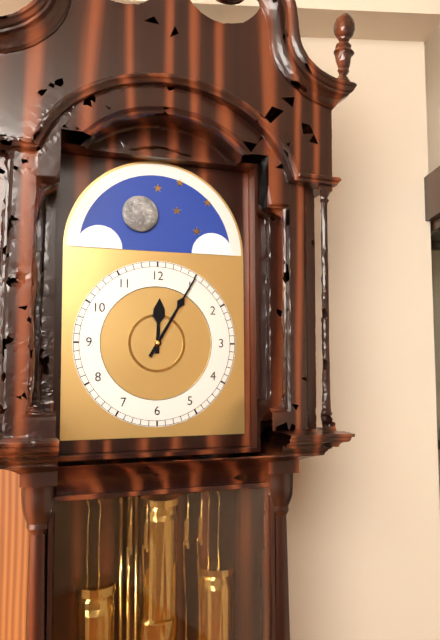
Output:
12:05
